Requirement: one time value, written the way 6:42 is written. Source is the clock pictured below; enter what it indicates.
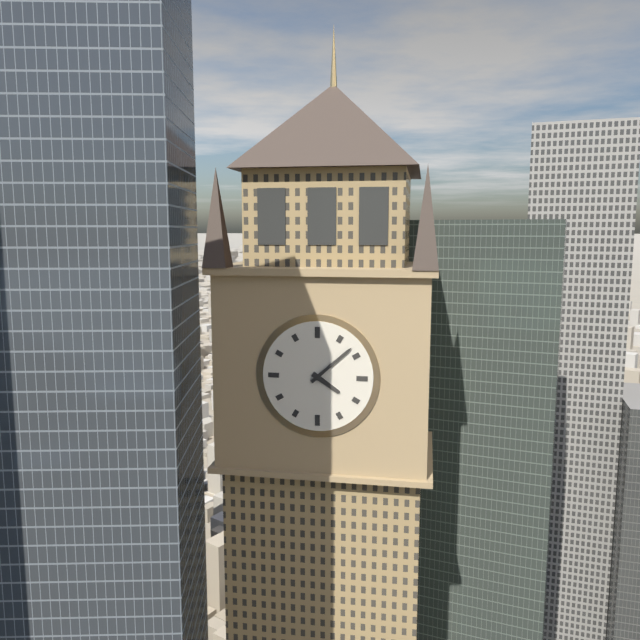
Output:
4:08
